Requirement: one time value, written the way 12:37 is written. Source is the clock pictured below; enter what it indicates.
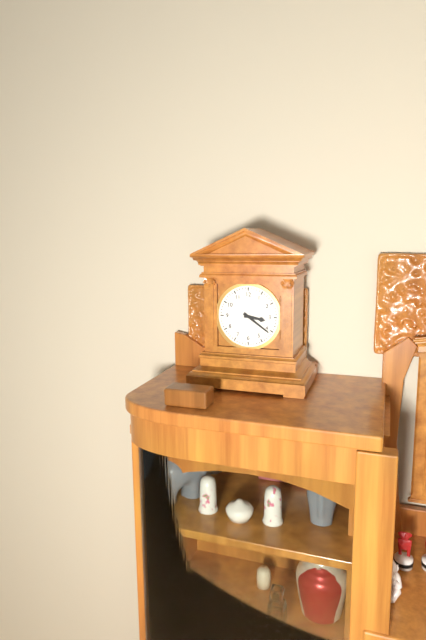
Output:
3:21
